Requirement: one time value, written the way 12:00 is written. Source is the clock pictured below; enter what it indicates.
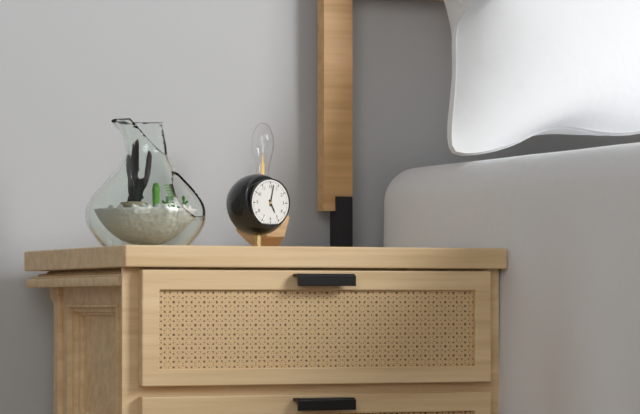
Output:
5:02
